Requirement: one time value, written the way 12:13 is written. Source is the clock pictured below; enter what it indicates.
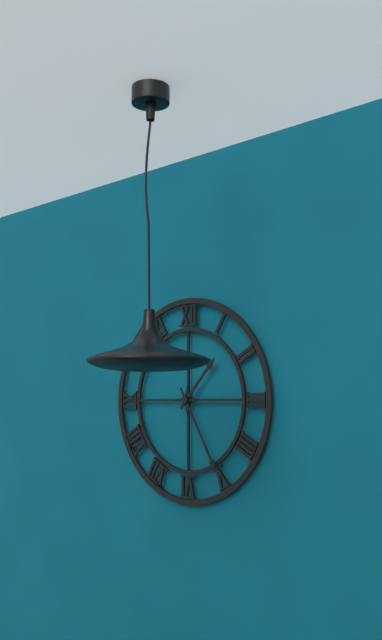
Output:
1:25
